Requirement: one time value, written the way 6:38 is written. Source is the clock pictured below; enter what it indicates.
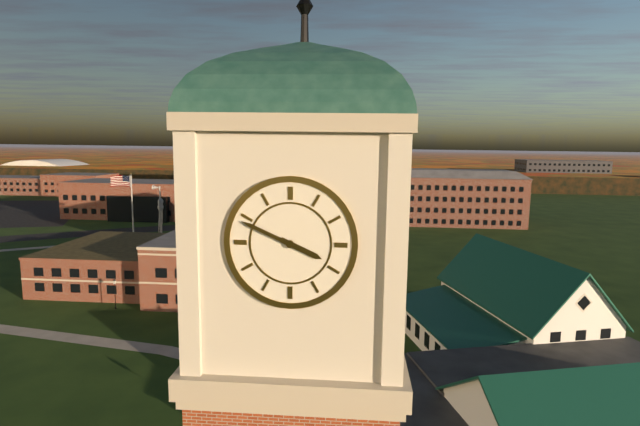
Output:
3:49
